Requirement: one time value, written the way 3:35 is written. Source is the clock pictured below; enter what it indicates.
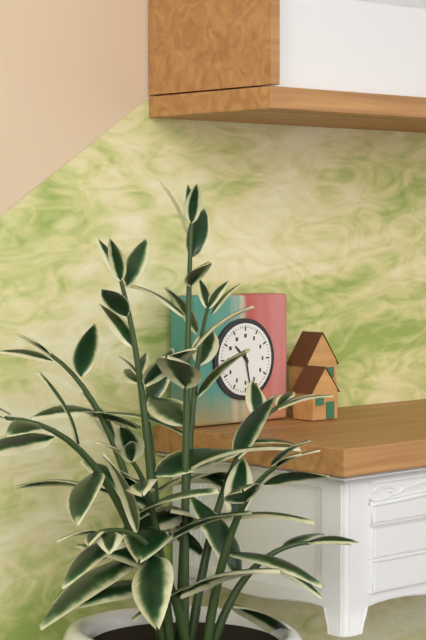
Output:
10:28
